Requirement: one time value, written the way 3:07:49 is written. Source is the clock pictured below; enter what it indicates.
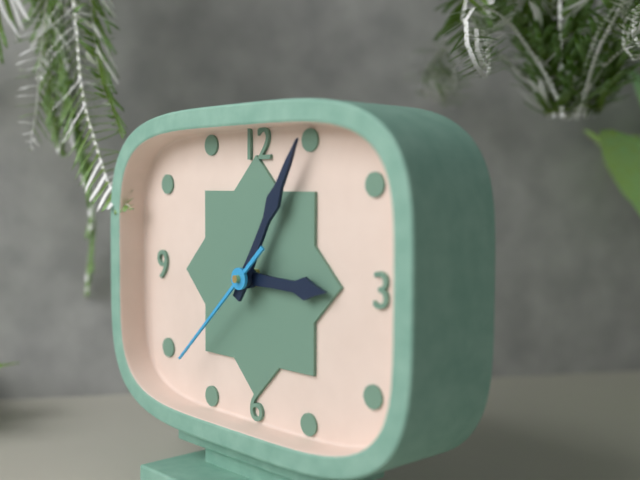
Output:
3:05:38
